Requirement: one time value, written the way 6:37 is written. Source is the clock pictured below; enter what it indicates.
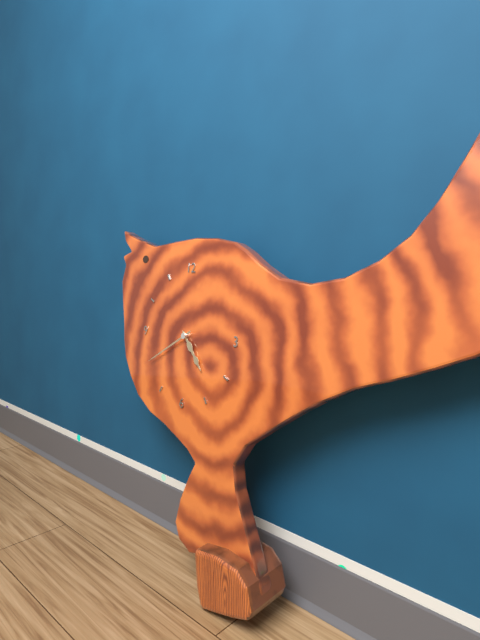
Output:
4:40
